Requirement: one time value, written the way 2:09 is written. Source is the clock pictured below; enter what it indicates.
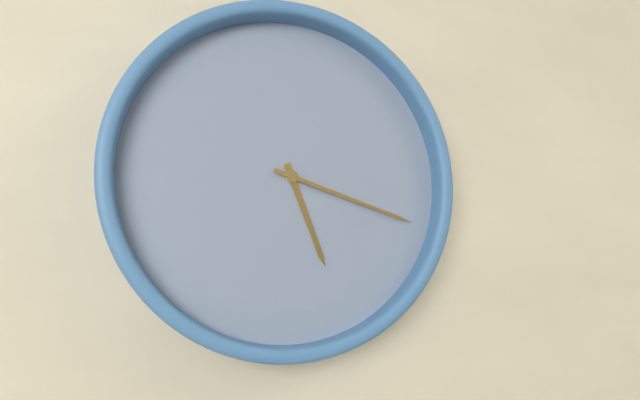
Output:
5:18
